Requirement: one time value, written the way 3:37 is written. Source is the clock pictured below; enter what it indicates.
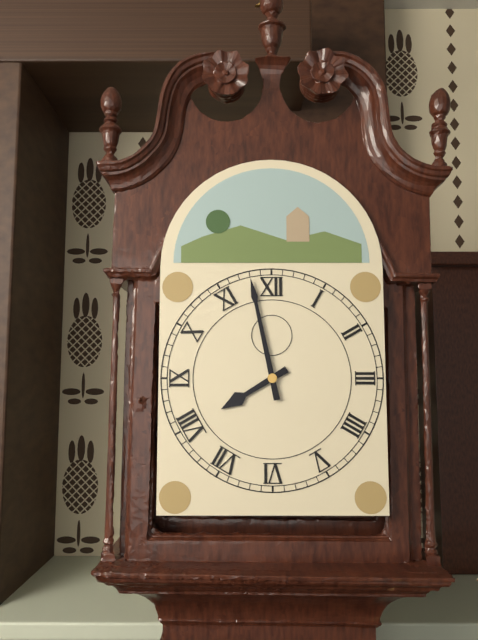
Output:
7:58
